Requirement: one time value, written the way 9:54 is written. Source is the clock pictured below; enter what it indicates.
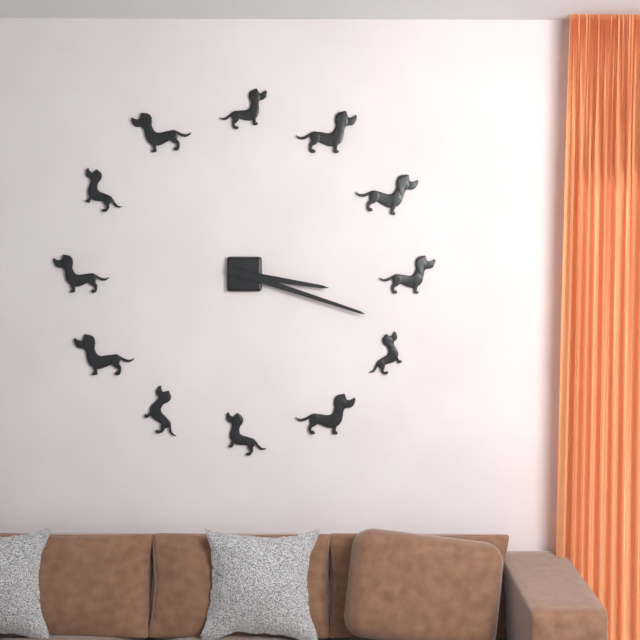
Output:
3:18
